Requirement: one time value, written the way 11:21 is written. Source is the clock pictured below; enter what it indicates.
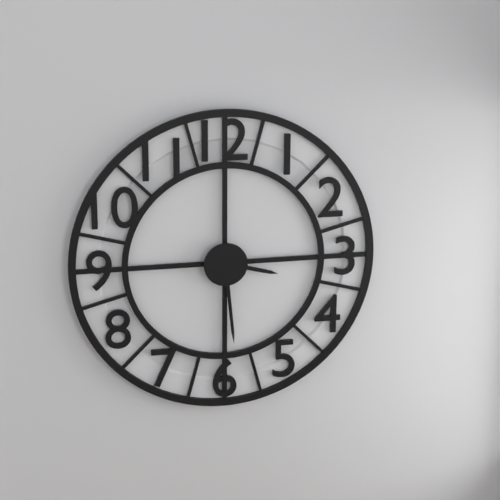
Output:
3:29
